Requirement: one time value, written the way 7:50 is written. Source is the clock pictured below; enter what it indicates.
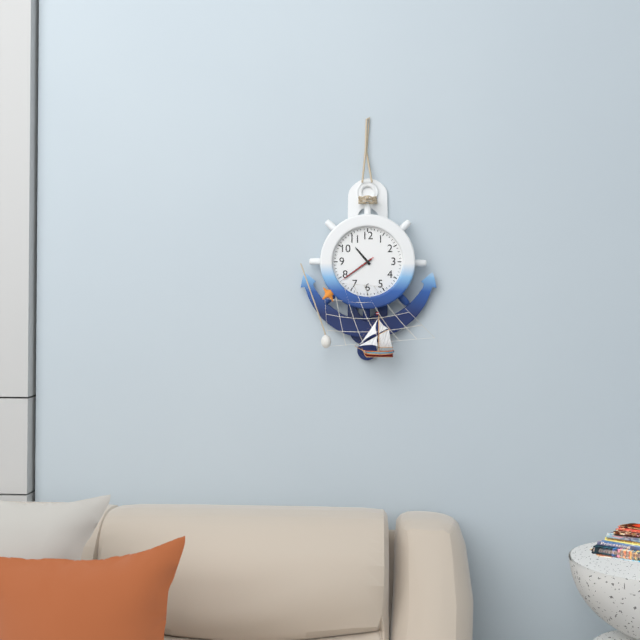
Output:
10:39
